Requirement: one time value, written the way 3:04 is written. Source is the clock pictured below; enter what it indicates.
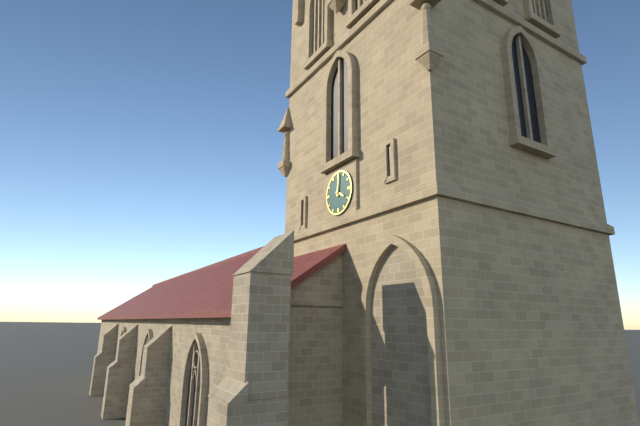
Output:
4:01
